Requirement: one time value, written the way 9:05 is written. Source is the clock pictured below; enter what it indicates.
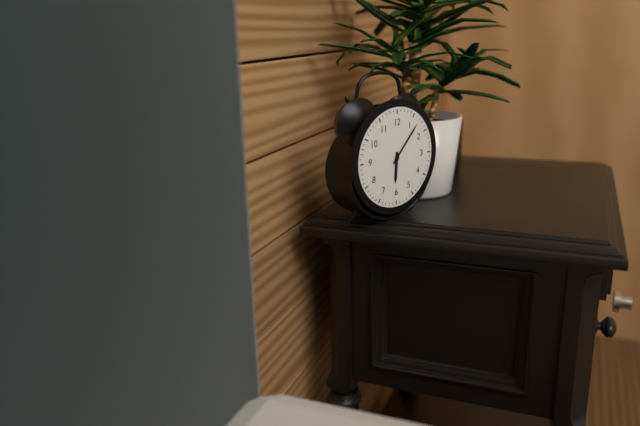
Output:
6:07
